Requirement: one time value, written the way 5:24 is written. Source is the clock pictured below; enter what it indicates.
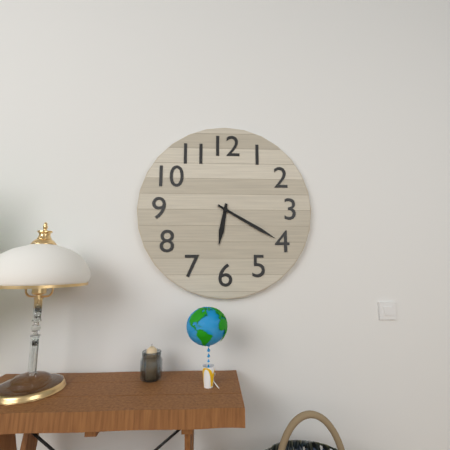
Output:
6:20
